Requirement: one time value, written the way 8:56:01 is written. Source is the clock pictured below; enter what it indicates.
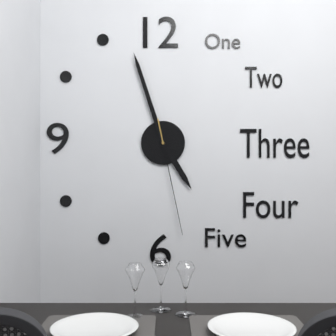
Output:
4:57:28
